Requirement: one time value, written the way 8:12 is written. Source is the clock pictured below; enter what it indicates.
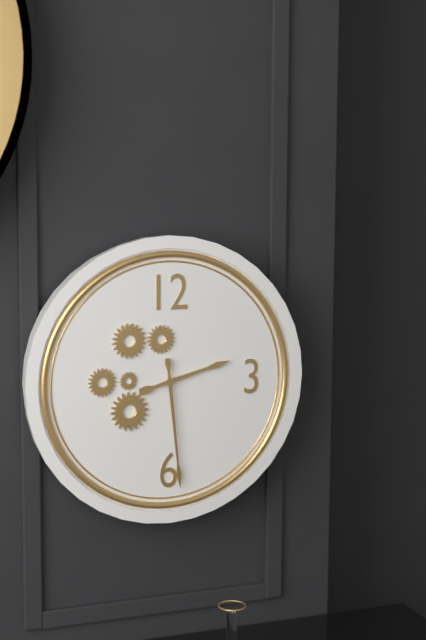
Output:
2:29
